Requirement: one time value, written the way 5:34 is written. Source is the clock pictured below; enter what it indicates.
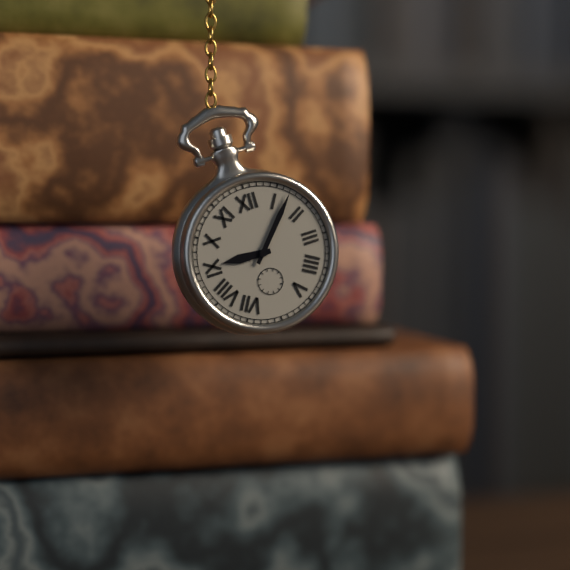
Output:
9:07
